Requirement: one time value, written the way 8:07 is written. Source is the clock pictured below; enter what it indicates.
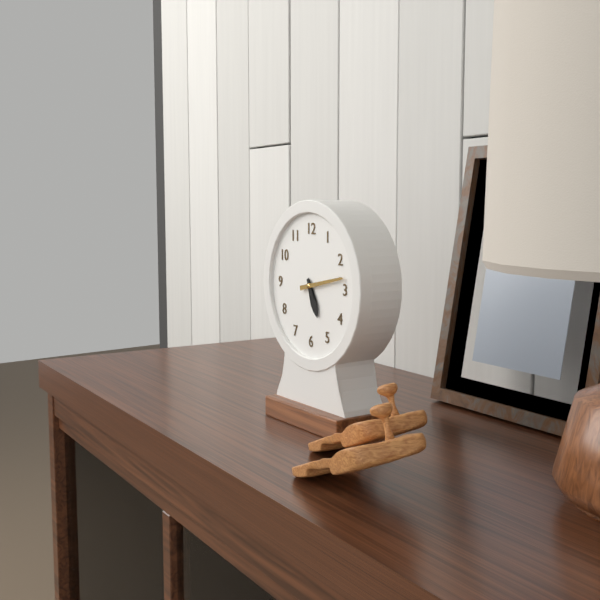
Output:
5:13
